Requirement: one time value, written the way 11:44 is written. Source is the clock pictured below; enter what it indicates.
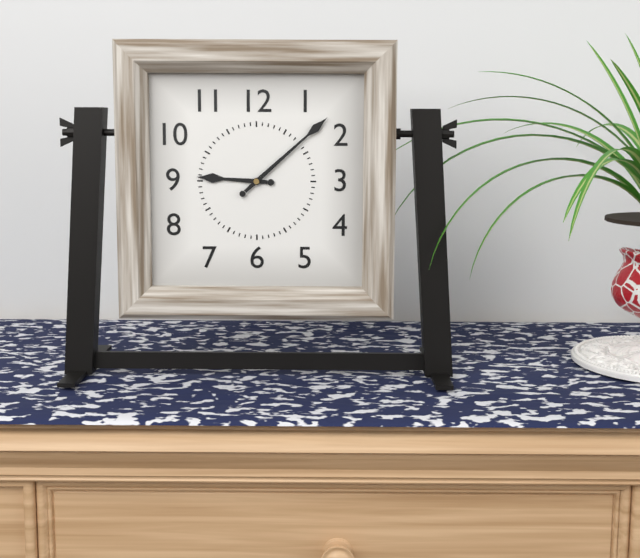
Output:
9:08
